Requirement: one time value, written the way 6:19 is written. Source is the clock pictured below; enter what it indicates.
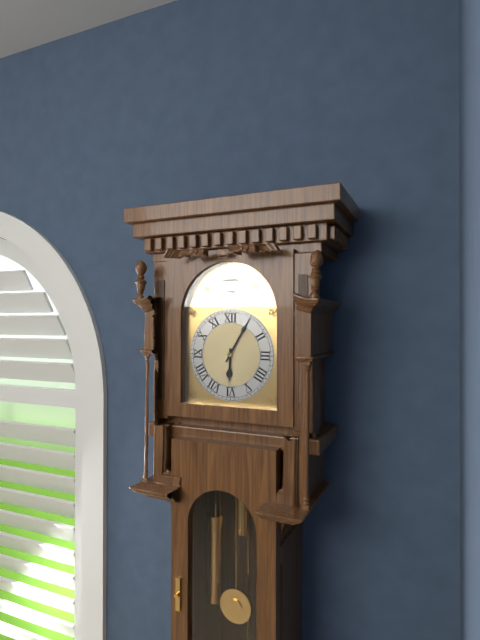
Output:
6:05
